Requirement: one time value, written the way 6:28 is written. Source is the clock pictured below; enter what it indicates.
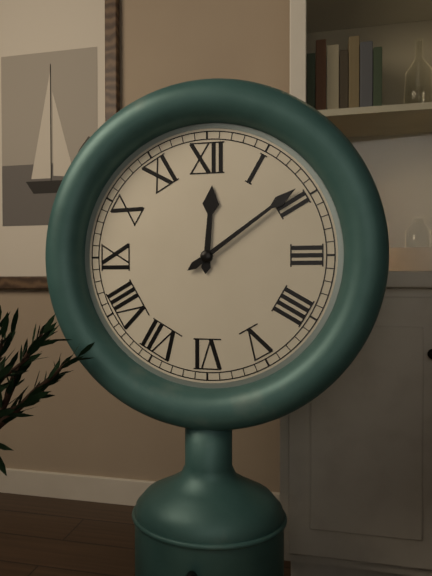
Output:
12:09
